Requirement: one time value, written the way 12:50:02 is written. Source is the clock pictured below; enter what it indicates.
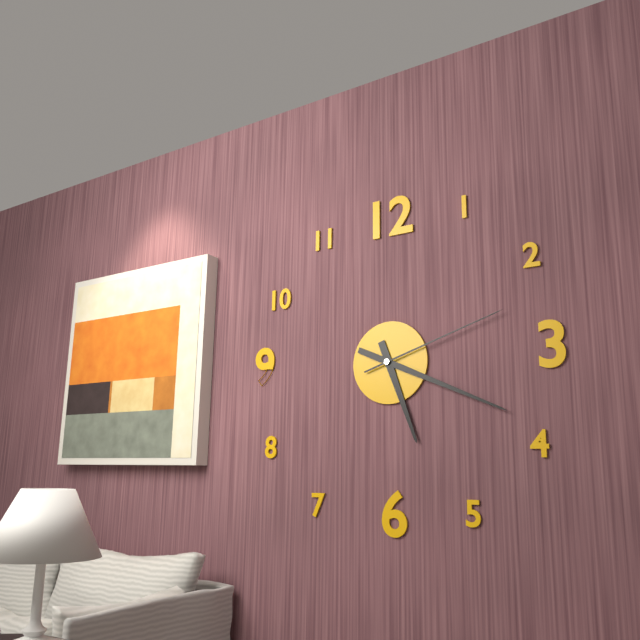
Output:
5:19:12
